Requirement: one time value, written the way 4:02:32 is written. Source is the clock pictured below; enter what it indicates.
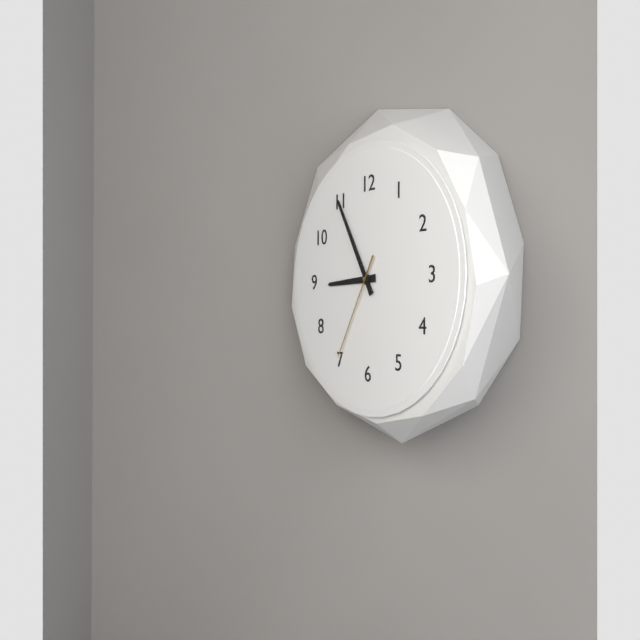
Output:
8:55:35
